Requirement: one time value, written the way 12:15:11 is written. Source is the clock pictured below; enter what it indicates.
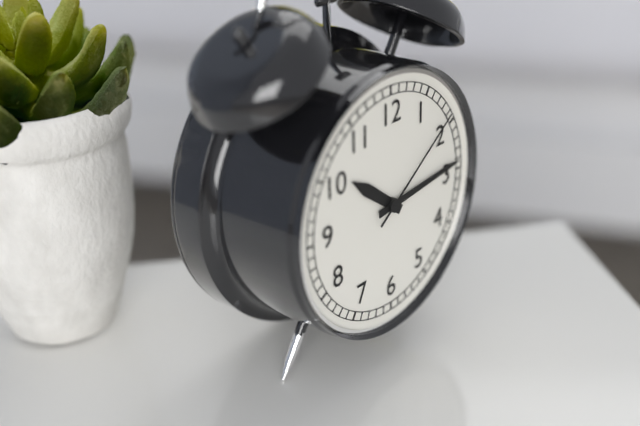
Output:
10:14:09
